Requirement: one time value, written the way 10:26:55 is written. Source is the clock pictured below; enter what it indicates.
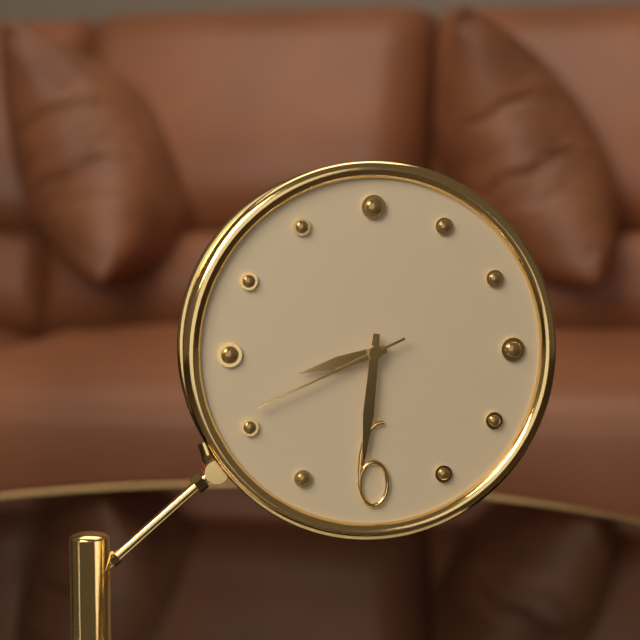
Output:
8:31:41
